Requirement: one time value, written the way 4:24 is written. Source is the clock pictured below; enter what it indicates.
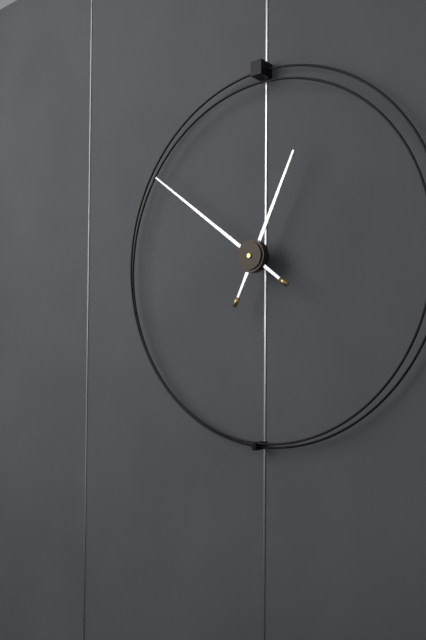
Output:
12:51
